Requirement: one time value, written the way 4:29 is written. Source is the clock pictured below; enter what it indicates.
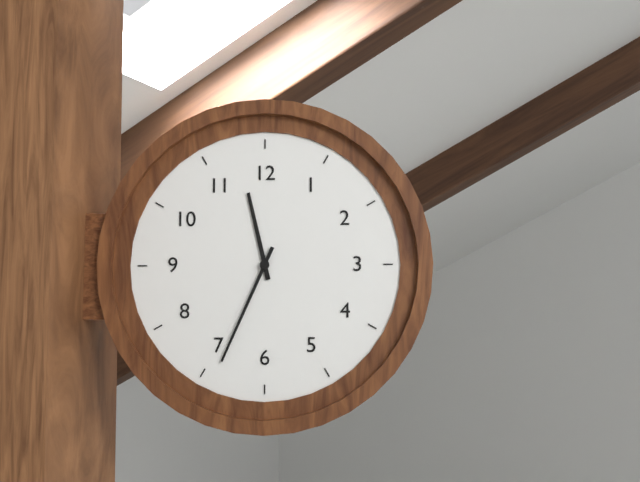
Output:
11:34
